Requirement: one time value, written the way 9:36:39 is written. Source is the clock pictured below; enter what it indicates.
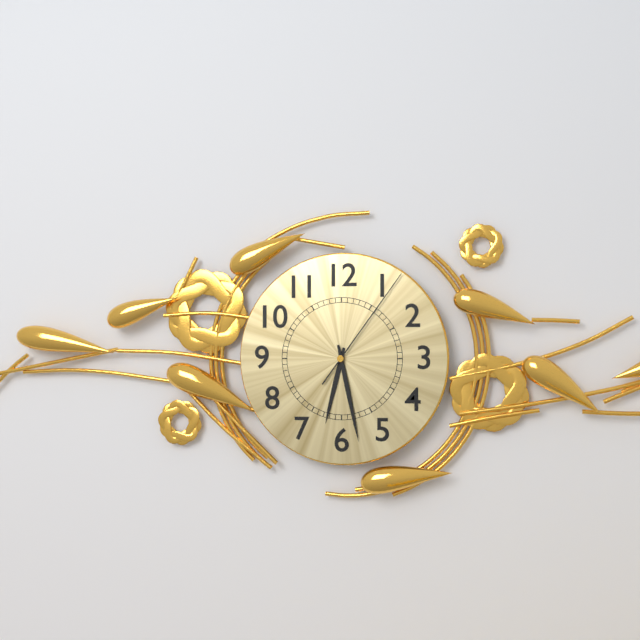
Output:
6:28:06
